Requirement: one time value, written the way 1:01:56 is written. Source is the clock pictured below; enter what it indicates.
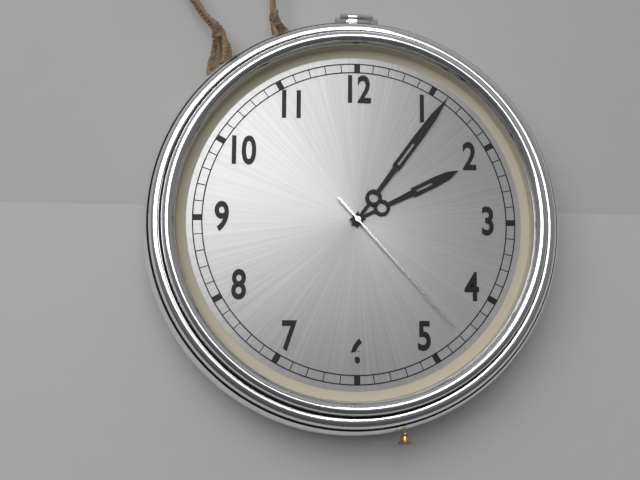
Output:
2:06:23
